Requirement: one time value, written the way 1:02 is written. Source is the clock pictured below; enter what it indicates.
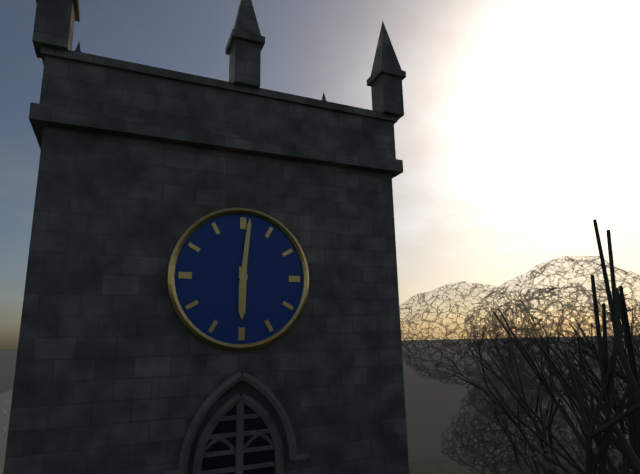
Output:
6:01
